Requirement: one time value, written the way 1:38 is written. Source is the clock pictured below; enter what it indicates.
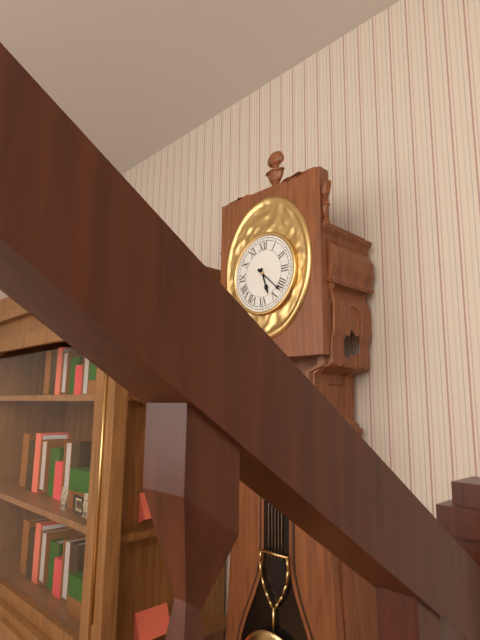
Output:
5:22
